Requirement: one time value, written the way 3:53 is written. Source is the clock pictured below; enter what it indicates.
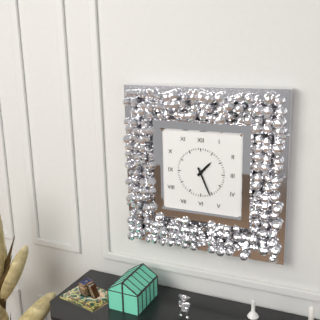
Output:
1:26
